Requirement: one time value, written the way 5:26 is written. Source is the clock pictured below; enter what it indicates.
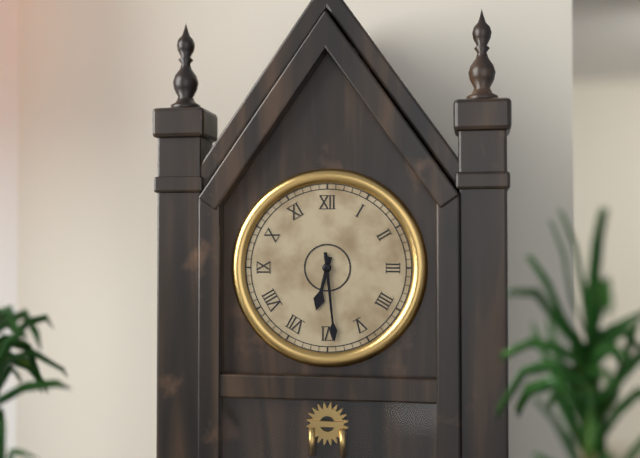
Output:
6:29
